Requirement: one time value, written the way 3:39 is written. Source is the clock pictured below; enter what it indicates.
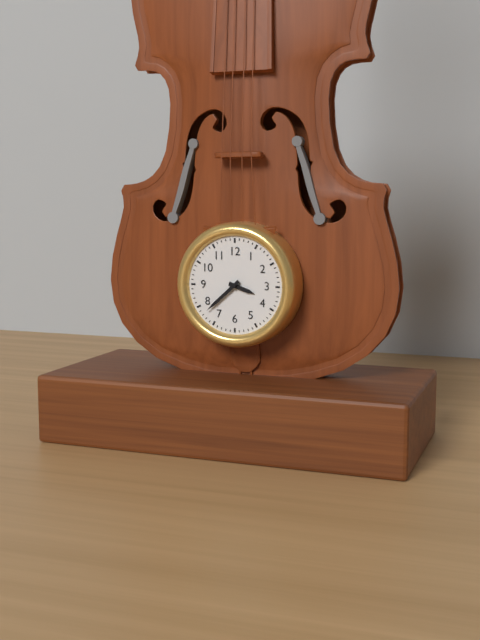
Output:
3:38
